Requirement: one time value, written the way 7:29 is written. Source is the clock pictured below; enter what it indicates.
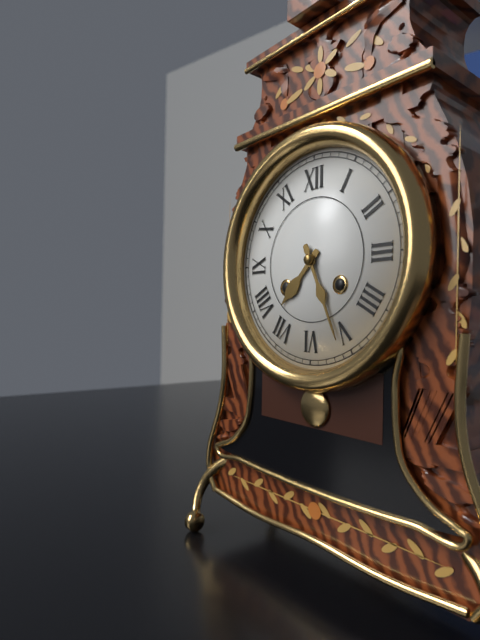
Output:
7:26
